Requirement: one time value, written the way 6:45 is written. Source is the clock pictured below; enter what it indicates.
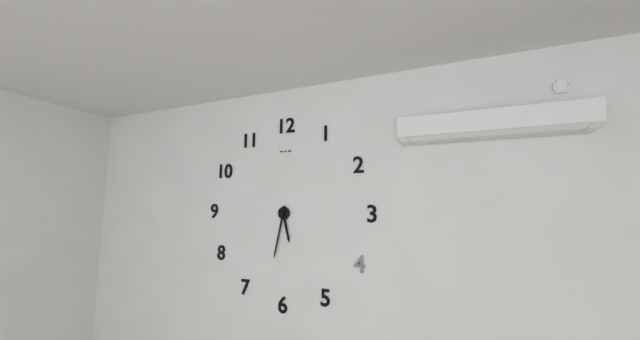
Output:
5:32
